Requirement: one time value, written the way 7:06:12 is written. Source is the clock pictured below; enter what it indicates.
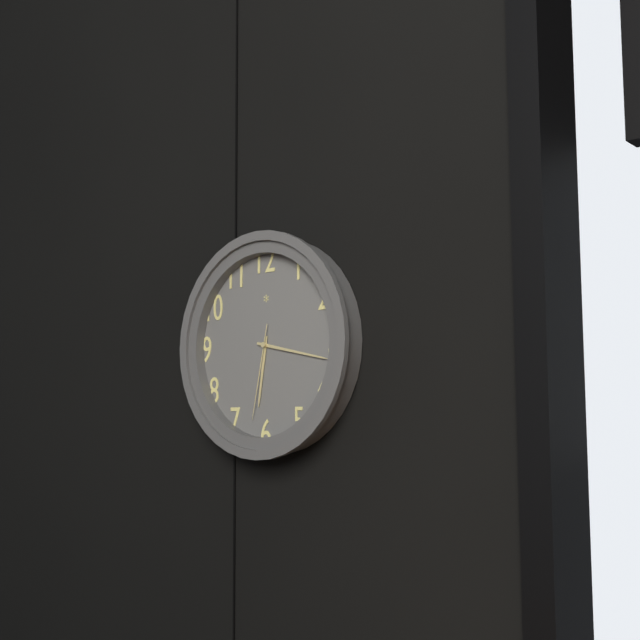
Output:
6:17:32
